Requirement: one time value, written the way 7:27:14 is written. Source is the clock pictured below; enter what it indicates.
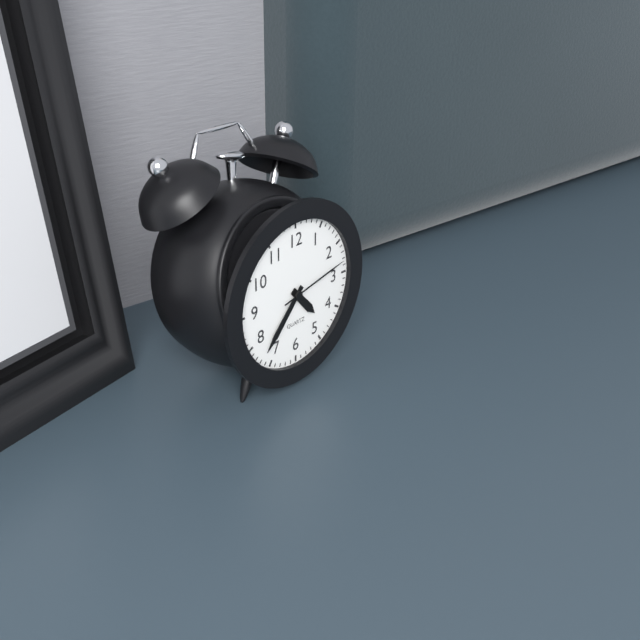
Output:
4:37:13
